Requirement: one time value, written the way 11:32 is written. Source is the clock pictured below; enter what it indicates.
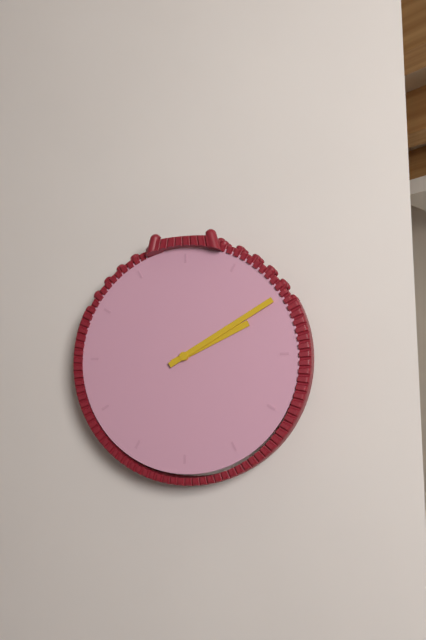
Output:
2:10
